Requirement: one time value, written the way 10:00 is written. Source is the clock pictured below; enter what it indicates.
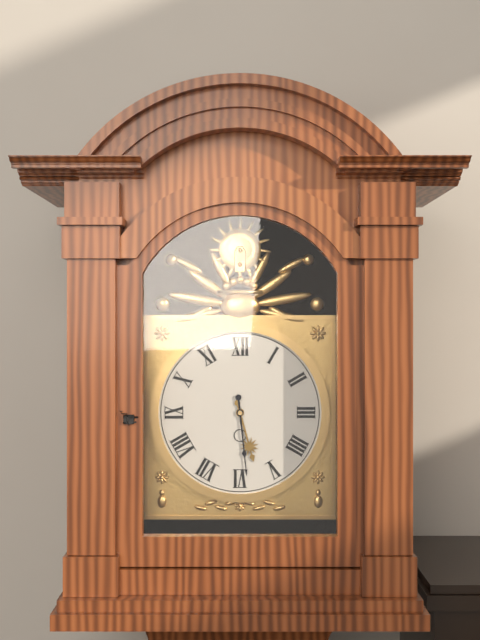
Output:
5:29
